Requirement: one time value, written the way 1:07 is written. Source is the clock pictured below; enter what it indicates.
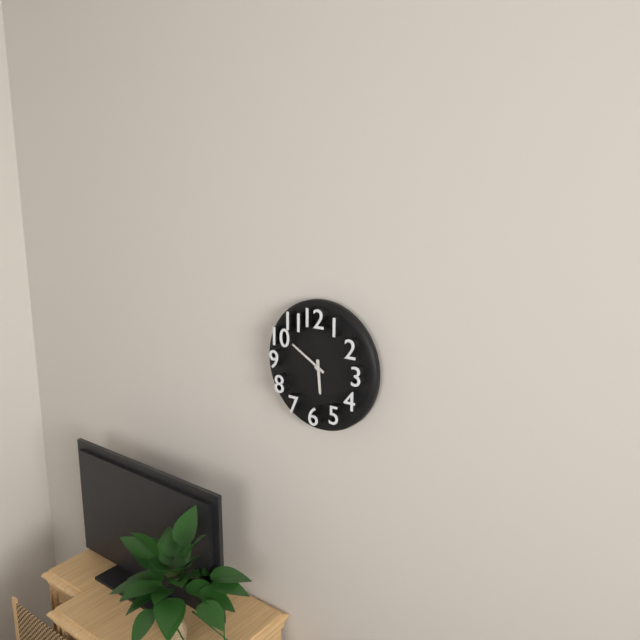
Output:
5:50
